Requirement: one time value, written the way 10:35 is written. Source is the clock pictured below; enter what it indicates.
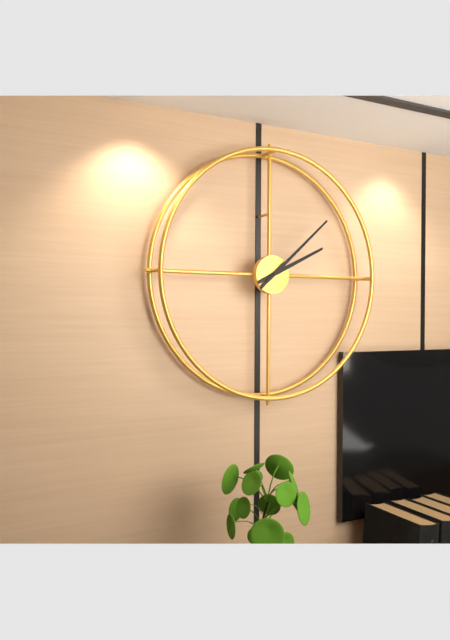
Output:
2:08
